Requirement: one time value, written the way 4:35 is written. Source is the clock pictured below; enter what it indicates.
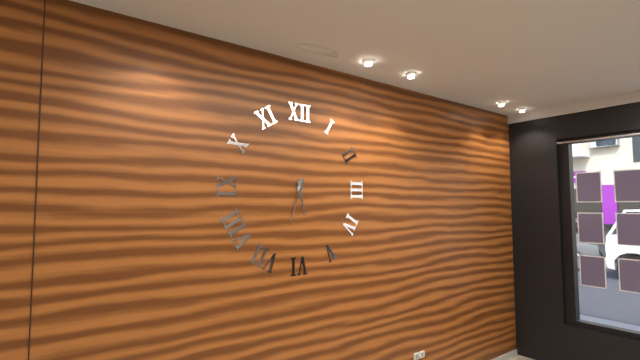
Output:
5:33
